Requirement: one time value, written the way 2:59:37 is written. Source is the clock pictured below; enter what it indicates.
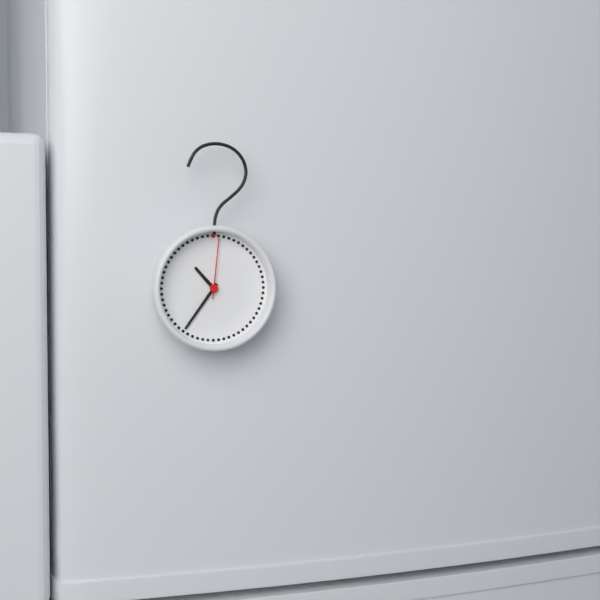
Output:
10:36:01
